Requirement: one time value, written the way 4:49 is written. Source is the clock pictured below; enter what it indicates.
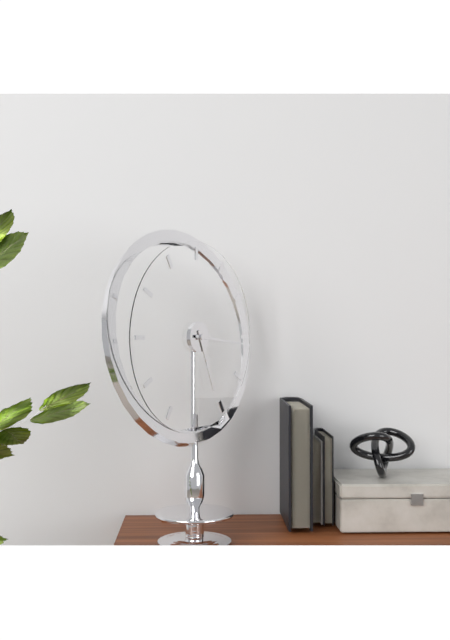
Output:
5:16
